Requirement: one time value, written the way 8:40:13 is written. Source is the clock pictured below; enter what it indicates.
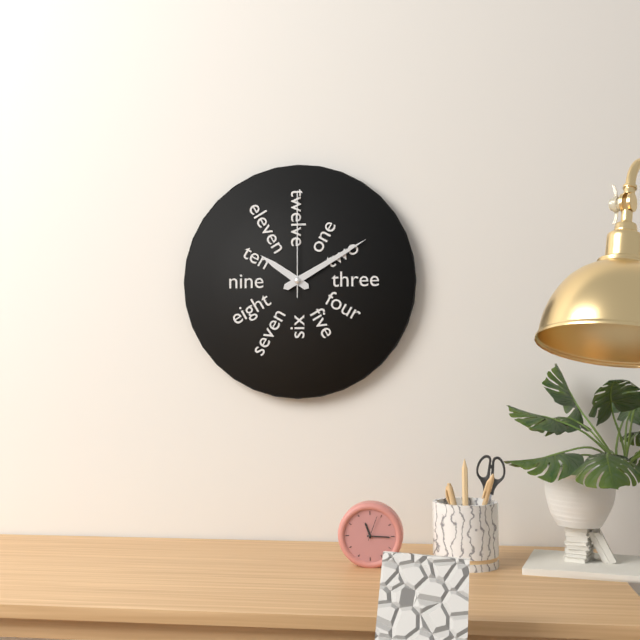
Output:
10:10:00
